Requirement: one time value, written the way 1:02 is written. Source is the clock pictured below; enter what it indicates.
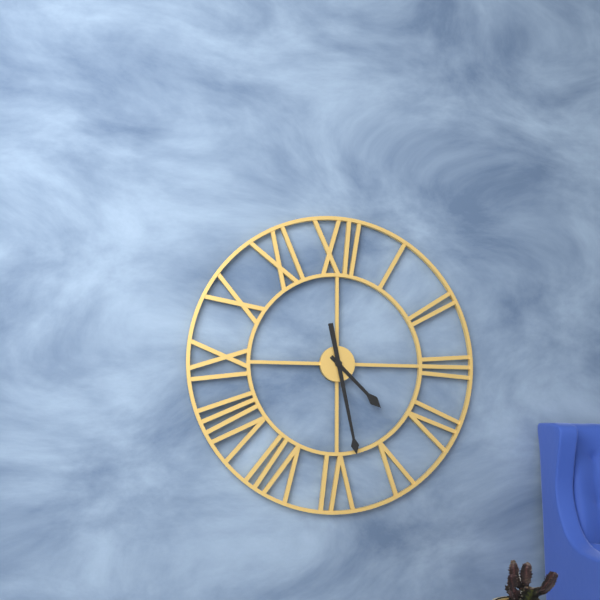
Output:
4:28
